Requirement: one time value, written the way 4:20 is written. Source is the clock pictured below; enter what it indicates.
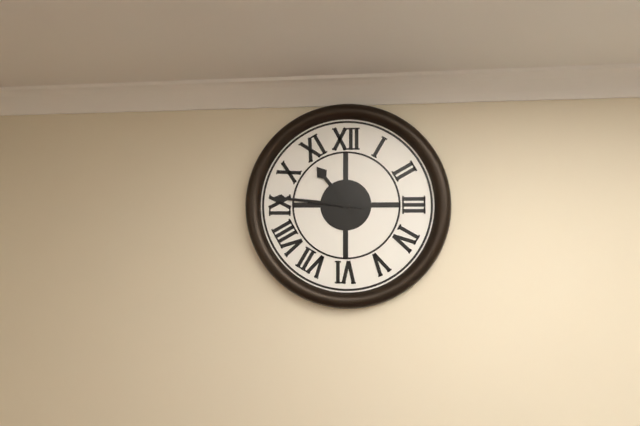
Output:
10:46
